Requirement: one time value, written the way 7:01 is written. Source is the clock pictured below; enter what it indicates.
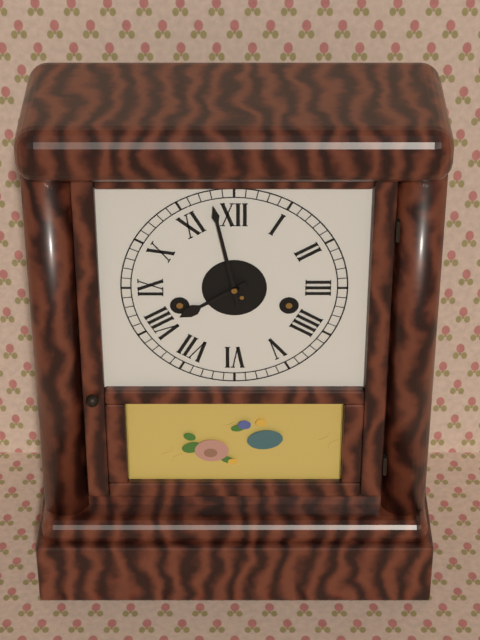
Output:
7:58
